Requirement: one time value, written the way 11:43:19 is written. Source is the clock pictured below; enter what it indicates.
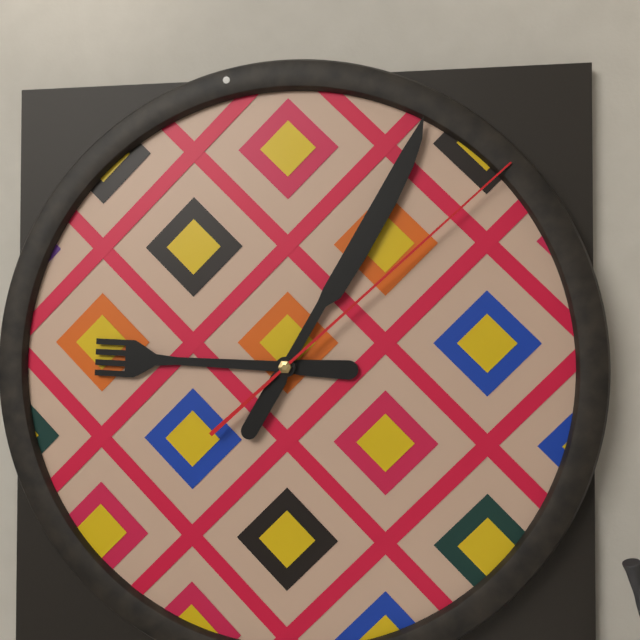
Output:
9:05:08
